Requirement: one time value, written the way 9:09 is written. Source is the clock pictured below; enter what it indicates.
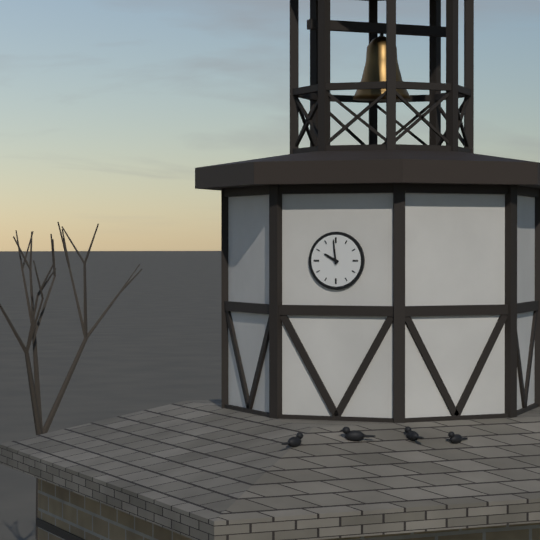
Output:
9:59
